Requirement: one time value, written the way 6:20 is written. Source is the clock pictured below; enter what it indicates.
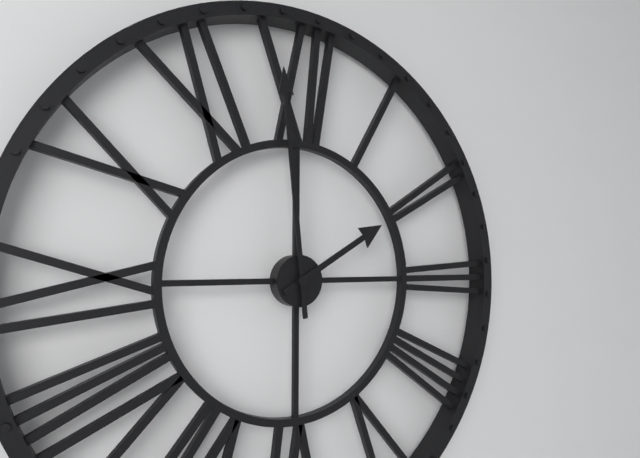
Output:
1:59
